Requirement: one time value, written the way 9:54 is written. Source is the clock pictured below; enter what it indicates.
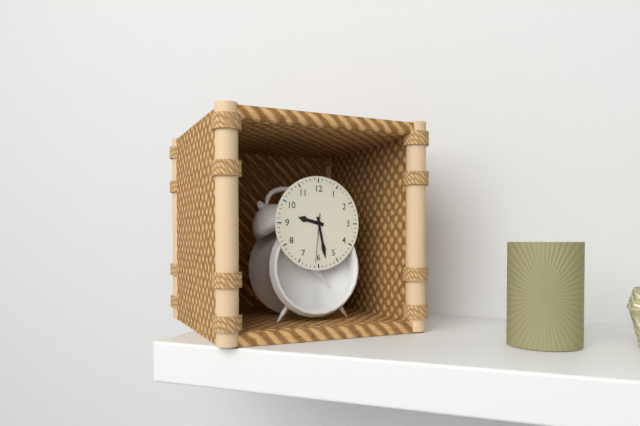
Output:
9:28
